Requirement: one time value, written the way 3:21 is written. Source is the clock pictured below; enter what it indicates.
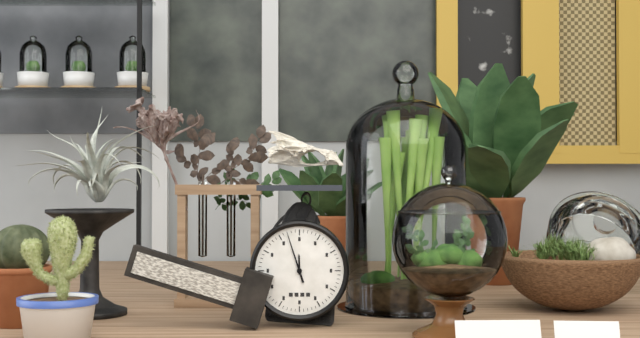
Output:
11:57
